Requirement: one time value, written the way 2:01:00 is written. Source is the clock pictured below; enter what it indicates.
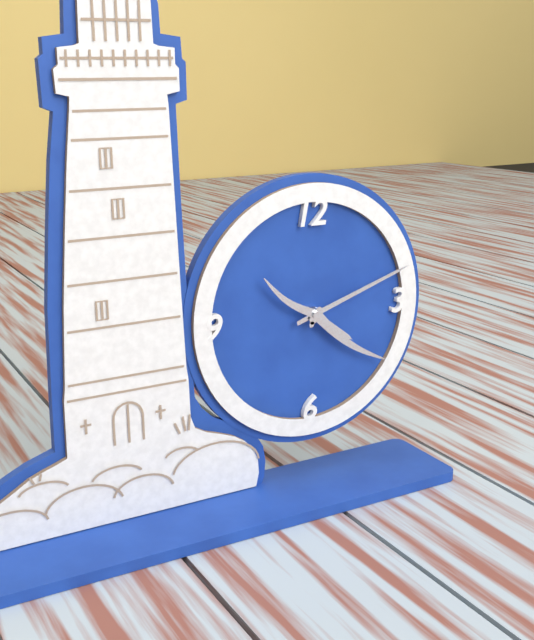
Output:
4:12:21
